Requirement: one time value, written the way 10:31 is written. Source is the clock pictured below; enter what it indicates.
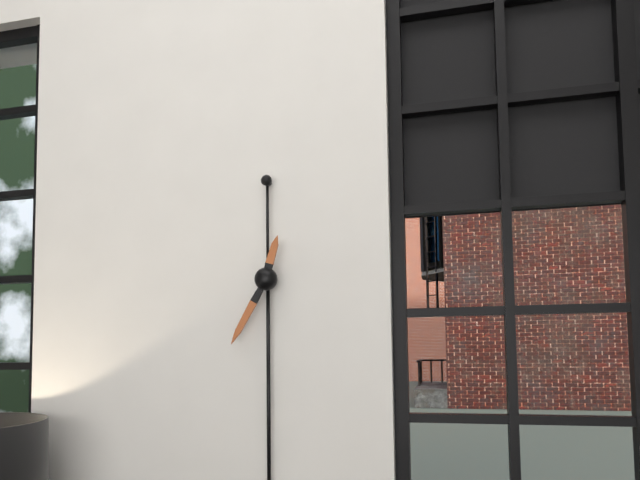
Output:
12:35
